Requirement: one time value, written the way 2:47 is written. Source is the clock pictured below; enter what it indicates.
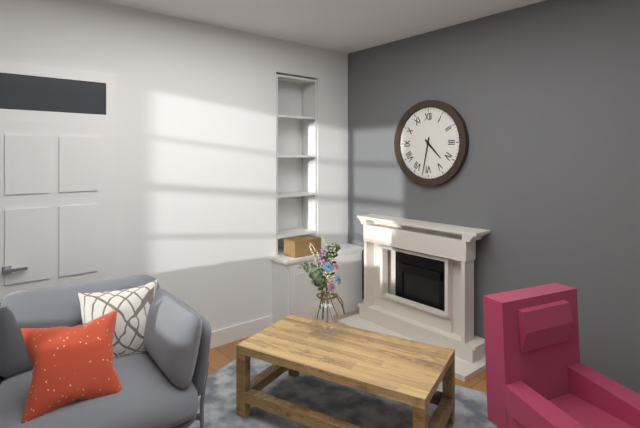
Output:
4:32
